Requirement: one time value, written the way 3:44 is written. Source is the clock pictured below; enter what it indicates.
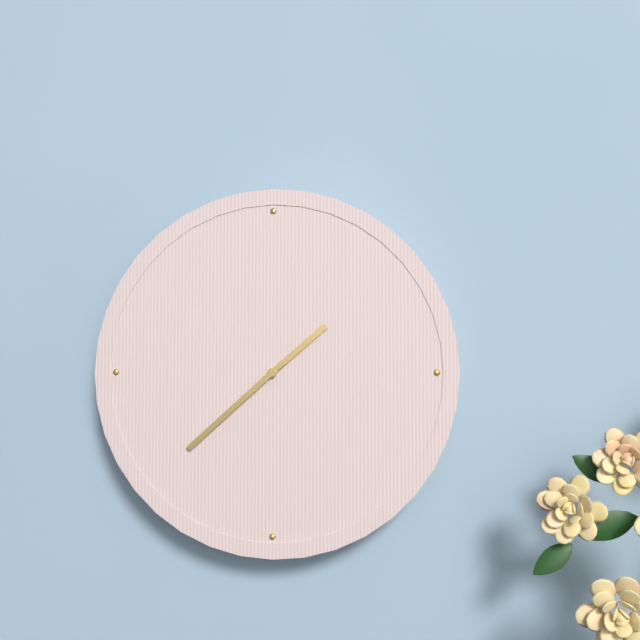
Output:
1:38
